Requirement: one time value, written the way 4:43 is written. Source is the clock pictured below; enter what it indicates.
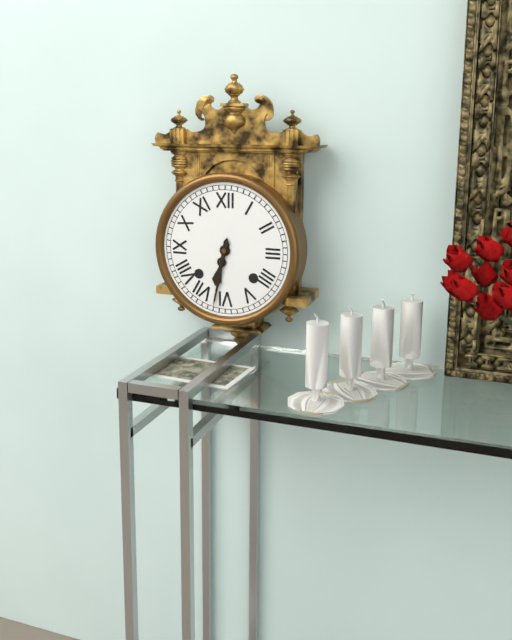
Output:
6:32
